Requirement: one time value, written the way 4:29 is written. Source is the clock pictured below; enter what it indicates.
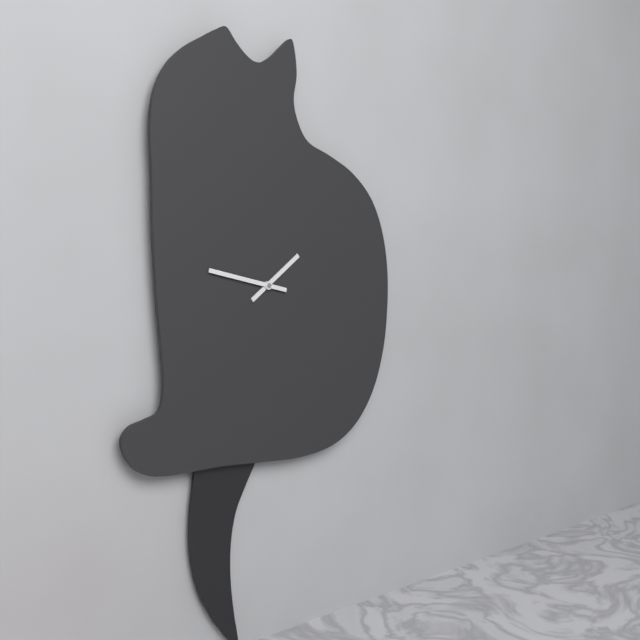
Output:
1:47
